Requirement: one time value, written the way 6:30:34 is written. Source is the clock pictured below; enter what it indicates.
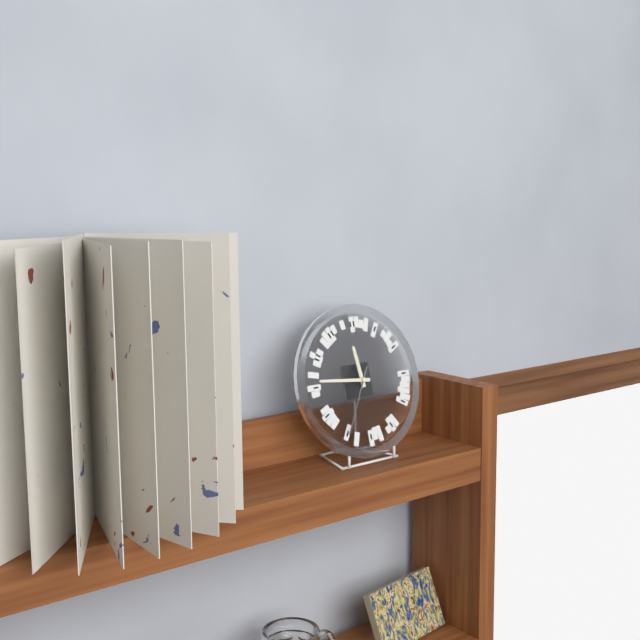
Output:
11:46:35
